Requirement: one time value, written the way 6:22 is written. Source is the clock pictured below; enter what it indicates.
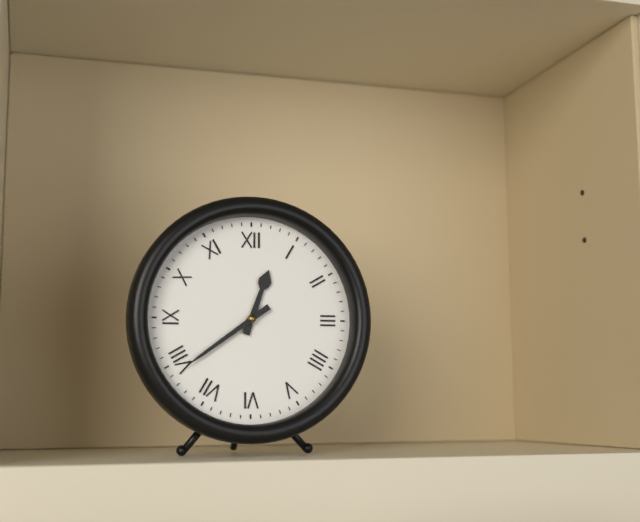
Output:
12:39
